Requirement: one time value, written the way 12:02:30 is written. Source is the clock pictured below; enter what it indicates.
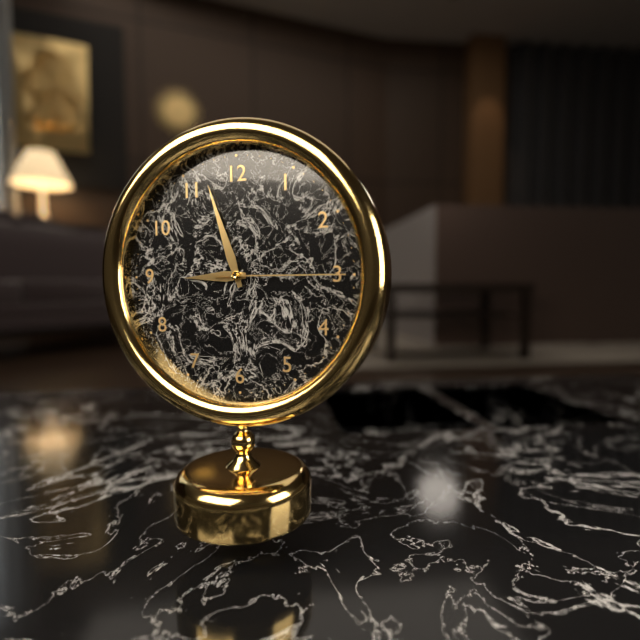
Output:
8:57:15
